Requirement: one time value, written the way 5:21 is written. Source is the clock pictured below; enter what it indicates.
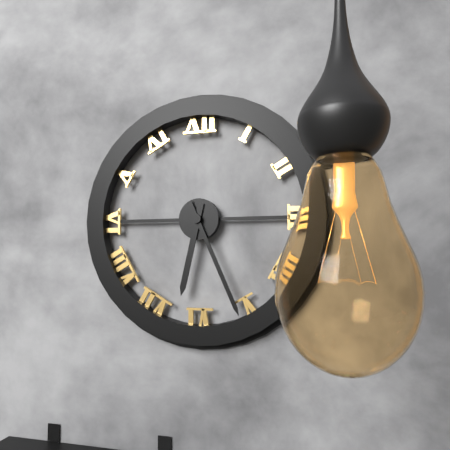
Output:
6:26
